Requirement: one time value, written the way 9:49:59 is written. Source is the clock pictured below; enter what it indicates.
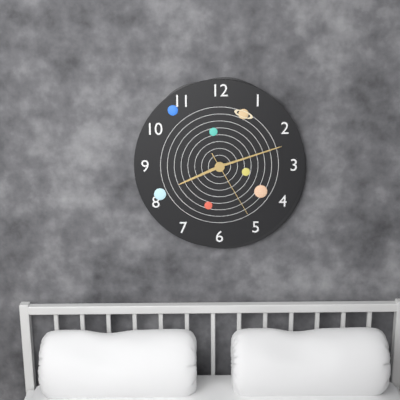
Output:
8:12:25
